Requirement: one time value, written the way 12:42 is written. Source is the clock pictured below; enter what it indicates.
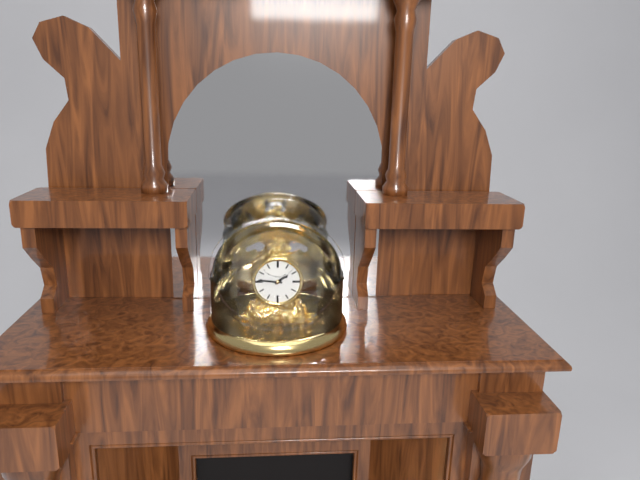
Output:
1:46
